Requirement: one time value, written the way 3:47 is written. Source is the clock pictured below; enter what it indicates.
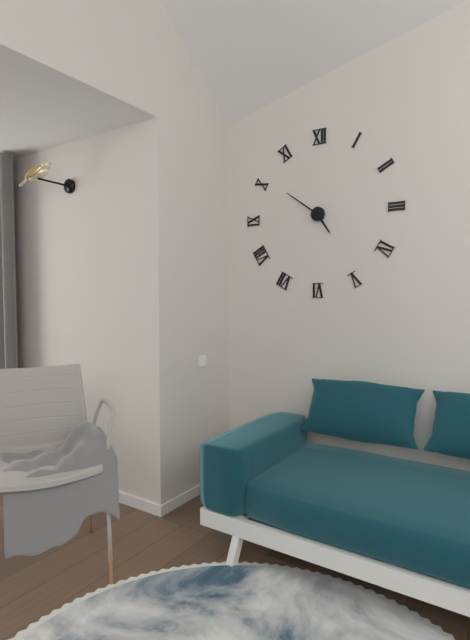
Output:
4:51
